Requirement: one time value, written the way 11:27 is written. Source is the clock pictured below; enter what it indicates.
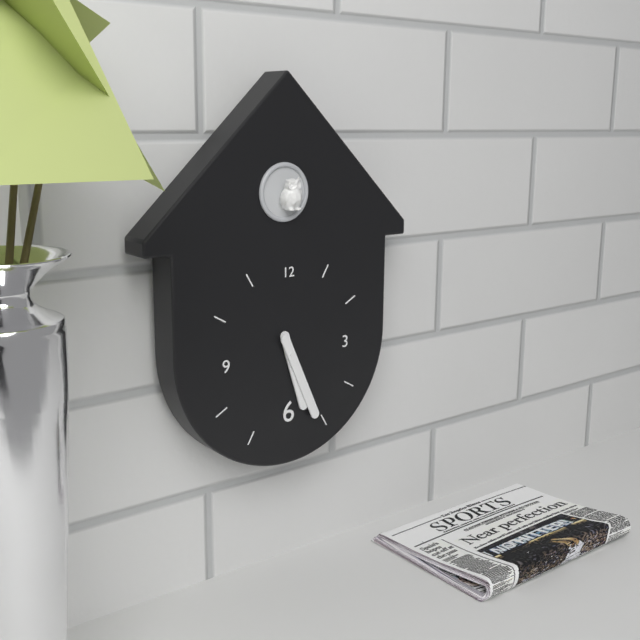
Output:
5:26
